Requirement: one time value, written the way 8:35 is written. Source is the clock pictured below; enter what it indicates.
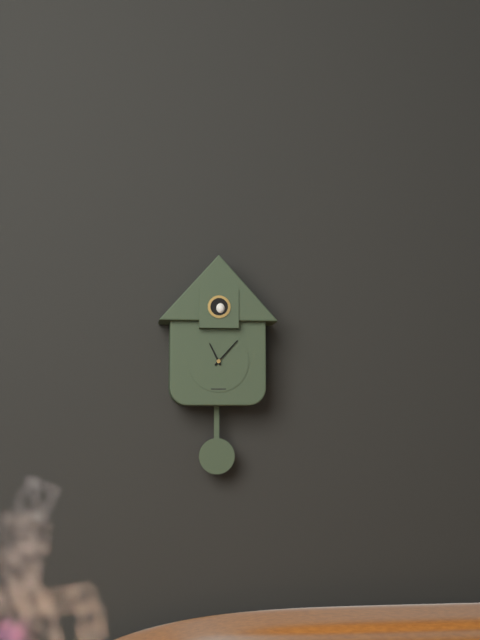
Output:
11:07
